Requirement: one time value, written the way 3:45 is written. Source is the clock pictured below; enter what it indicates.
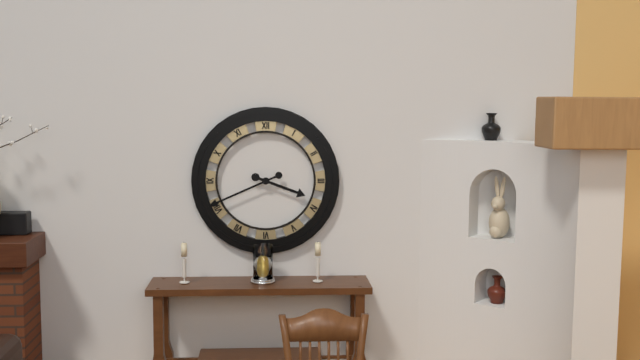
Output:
3:41
